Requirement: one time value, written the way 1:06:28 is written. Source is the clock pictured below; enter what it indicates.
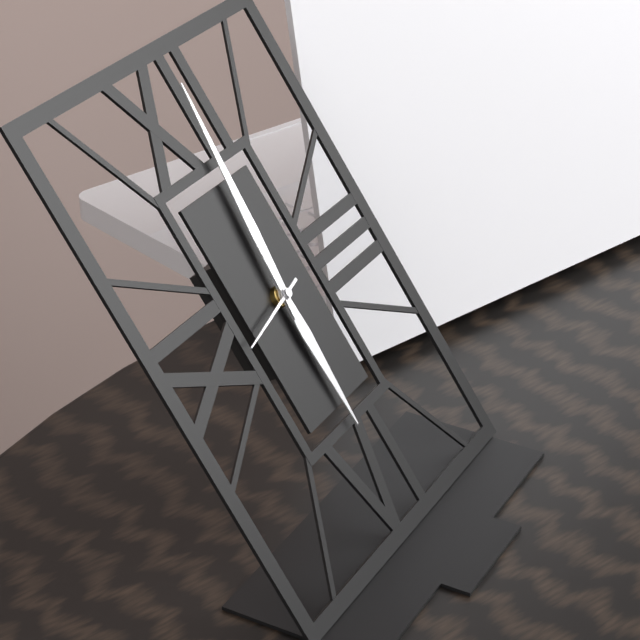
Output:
6:01:43
